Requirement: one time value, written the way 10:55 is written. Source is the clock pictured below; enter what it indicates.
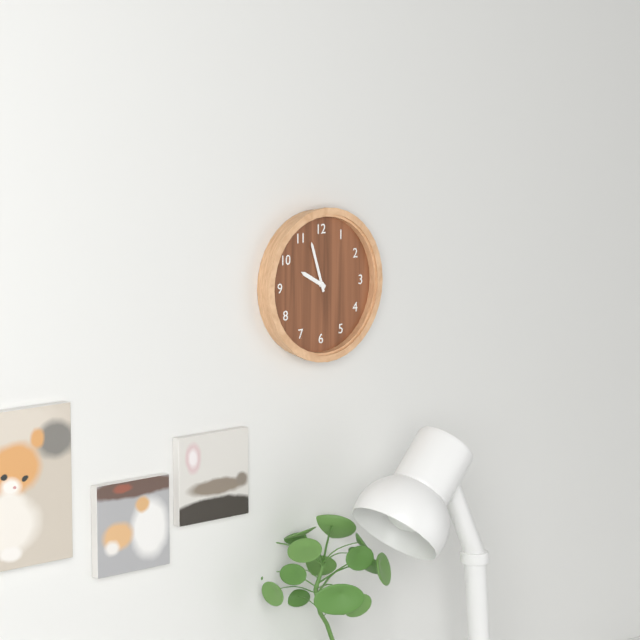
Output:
9:57
